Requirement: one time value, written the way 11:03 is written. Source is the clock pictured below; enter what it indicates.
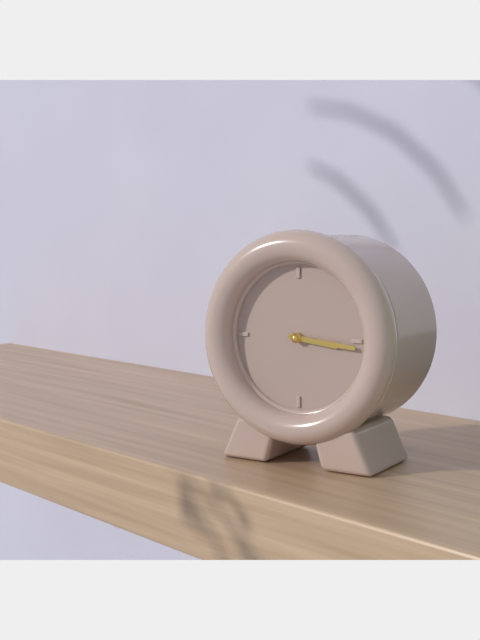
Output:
3:16
